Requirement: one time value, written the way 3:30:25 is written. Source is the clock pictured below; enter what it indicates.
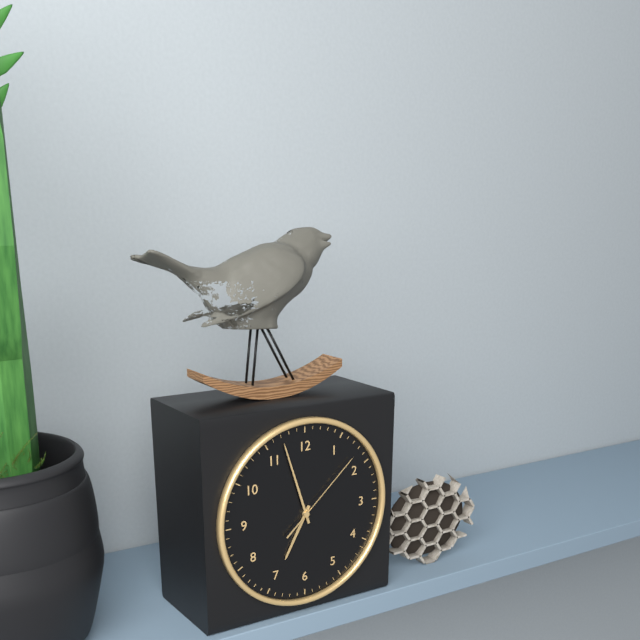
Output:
6:57:08
